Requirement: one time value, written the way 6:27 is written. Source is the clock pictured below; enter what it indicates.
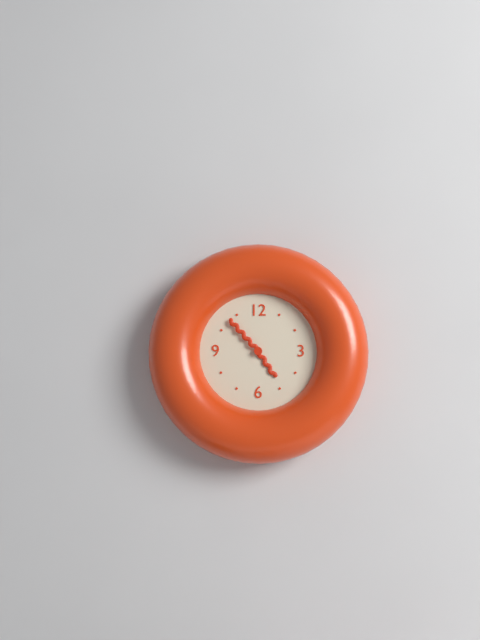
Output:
4:53
